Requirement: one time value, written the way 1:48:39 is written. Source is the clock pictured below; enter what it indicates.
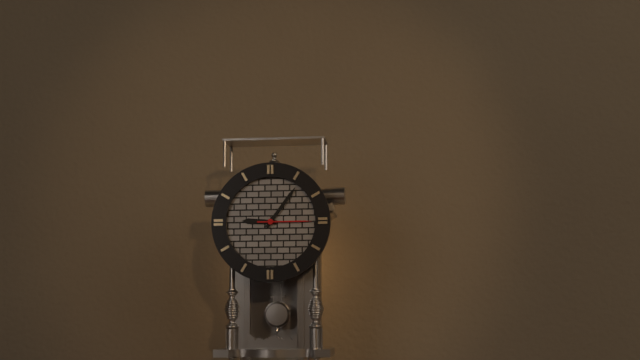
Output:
9:06:15
